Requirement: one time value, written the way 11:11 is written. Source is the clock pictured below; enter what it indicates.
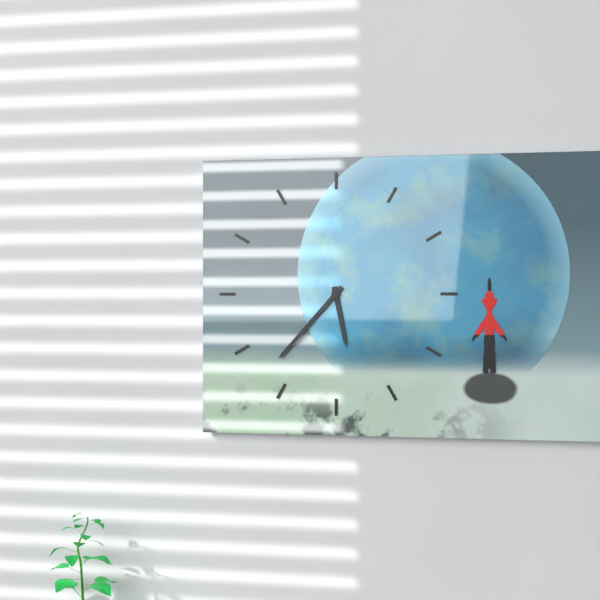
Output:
5:37
